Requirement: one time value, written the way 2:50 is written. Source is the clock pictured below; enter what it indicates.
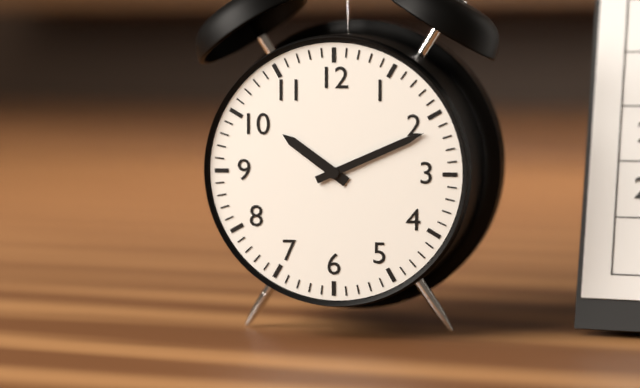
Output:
10:11
